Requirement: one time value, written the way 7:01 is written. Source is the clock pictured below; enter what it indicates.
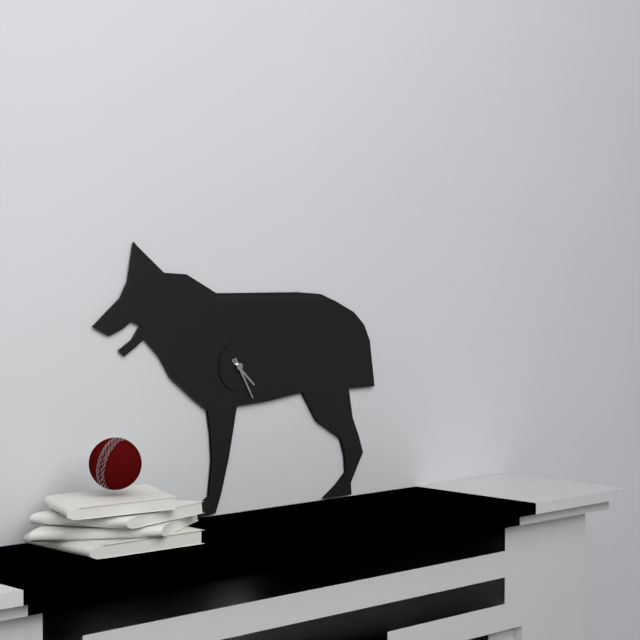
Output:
4:25
